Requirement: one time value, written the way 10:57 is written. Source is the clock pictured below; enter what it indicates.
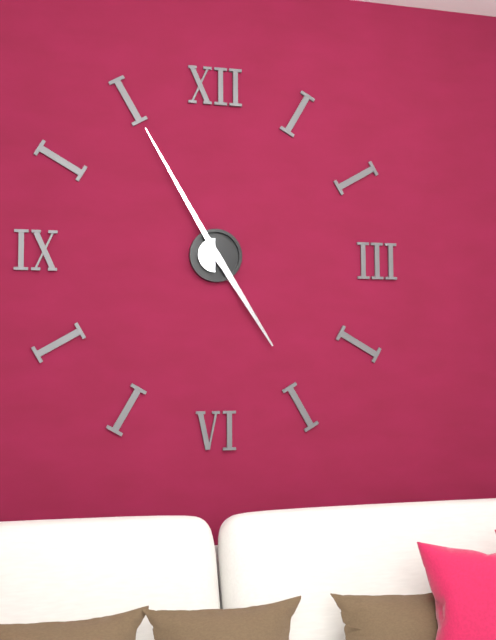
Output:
4:55
